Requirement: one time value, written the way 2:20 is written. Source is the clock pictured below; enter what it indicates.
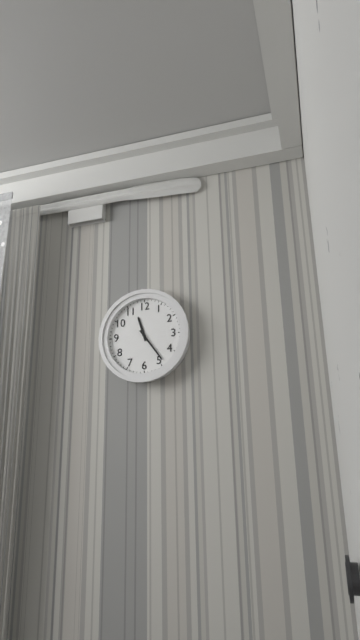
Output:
11:24
